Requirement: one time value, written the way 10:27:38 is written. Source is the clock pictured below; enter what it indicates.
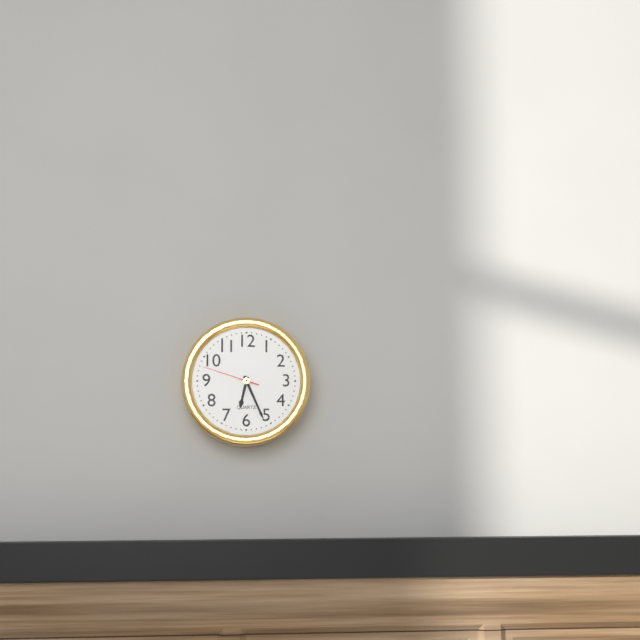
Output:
6:26:48
